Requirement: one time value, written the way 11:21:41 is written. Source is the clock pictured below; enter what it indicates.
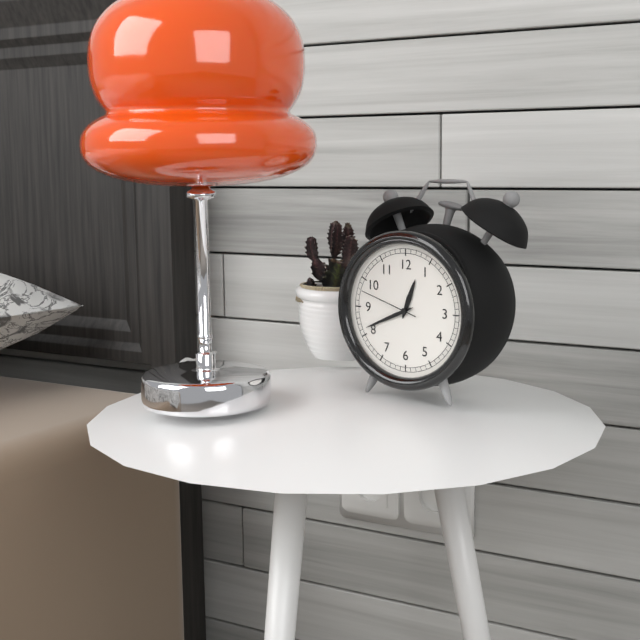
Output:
12:41:48
